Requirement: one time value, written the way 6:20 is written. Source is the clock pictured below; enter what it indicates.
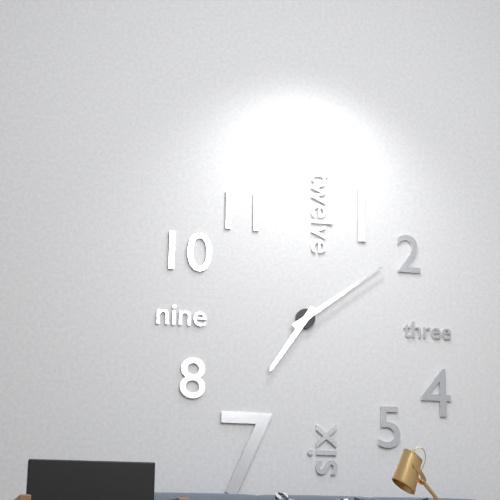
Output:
7:09
